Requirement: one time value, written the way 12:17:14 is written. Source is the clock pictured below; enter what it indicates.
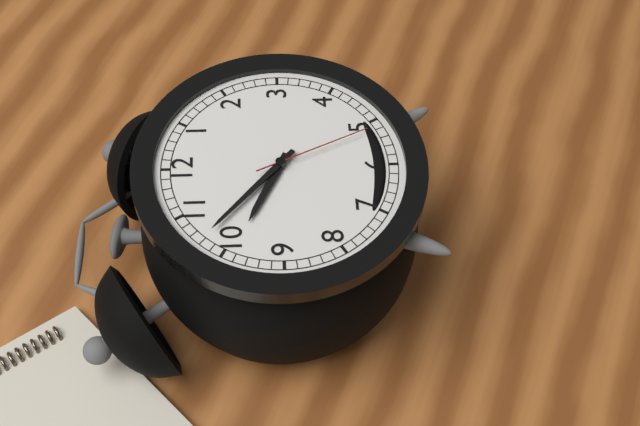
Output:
9:52:26
